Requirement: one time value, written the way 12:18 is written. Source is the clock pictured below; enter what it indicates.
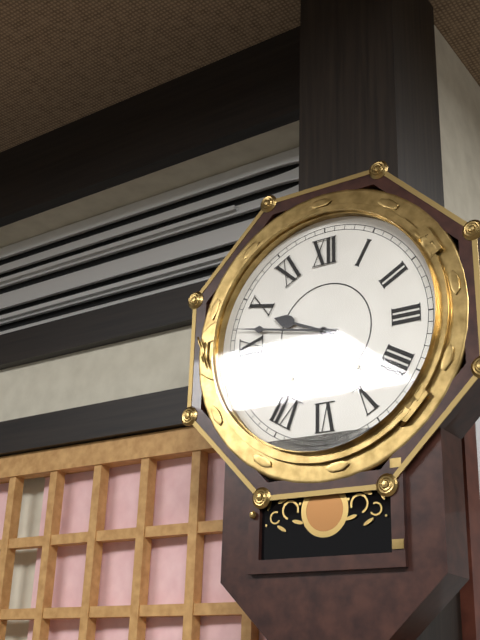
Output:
9:47
